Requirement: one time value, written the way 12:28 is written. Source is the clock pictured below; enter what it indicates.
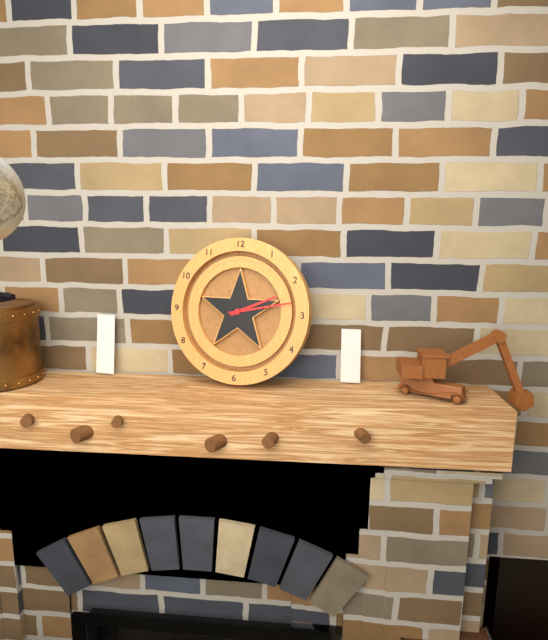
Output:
2:13
